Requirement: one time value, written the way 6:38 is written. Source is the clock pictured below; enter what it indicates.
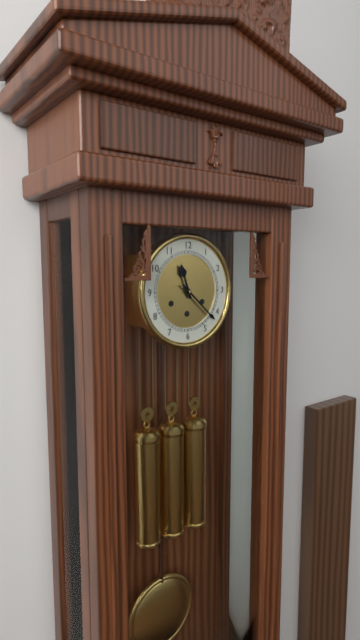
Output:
11:22
